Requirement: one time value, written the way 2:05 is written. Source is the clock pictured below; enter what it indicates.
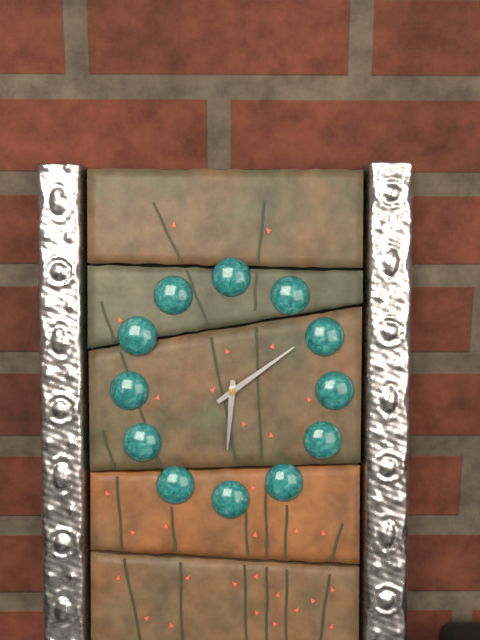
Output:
6:09
